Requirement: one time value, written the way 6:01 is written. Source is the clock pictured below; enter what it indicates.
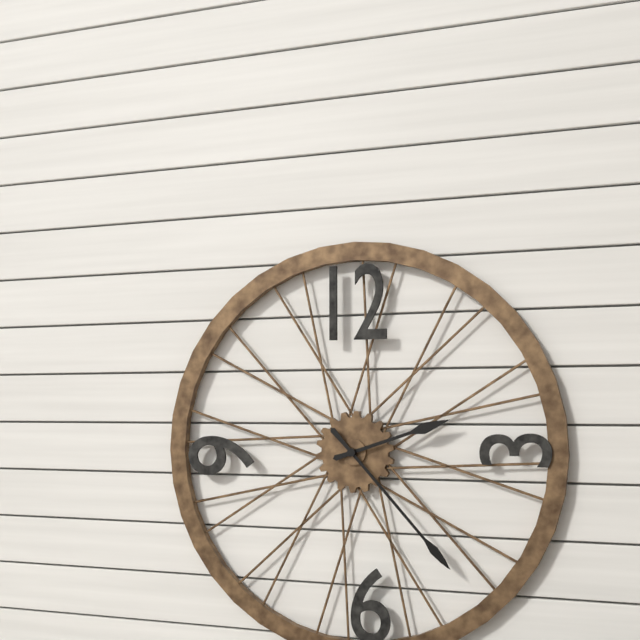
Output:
2:23
